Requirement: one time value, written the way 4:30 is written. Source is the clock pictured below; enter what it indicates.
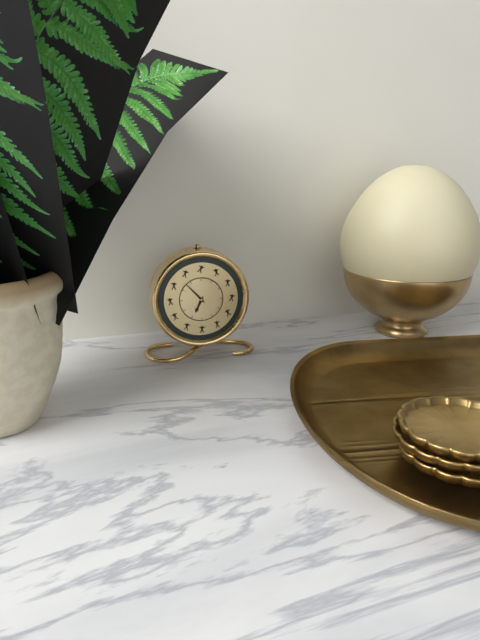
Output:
6:53
